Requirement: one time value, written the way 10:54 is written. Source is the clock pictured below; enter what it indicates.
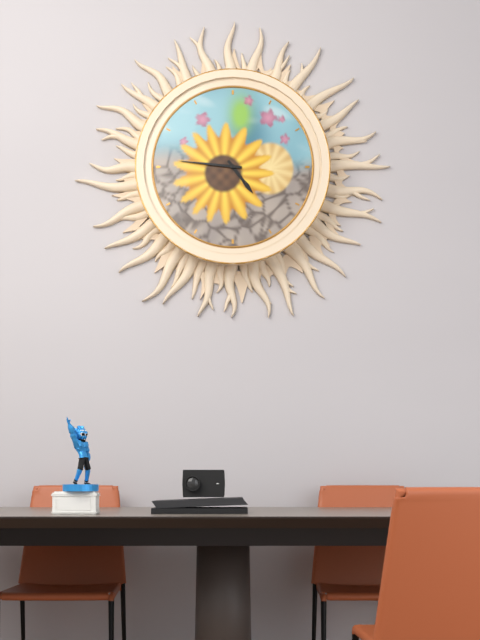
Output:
4:46
